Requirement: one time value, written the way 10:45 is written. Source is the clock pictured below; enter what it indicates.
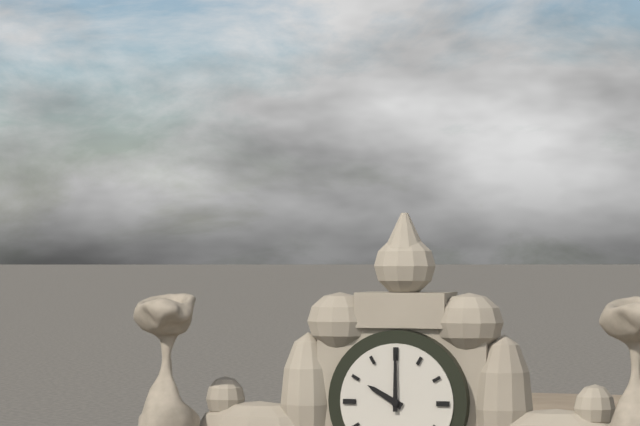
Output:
10:00
